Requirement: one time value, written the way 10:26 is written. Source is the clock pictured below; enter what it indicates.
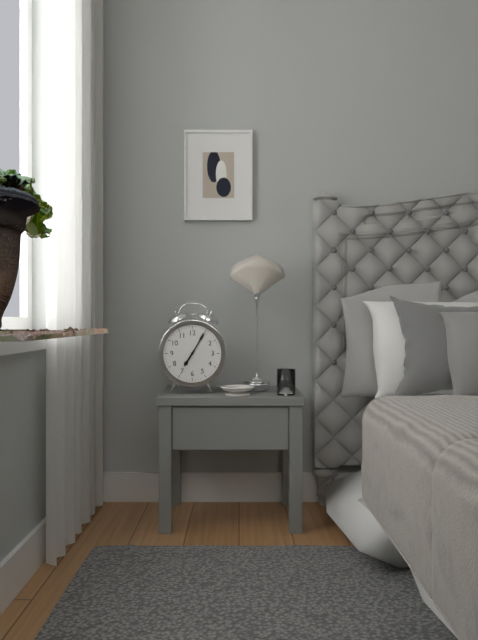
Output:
7:05
